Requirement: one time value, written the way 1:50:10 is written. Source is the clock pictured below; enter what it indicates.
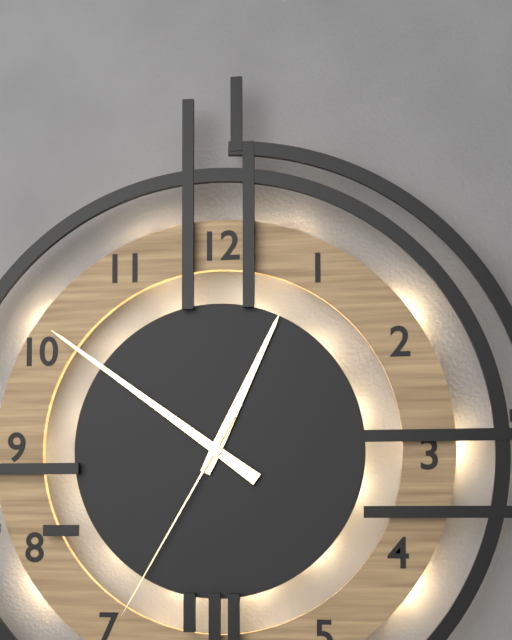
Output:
12:51:35
